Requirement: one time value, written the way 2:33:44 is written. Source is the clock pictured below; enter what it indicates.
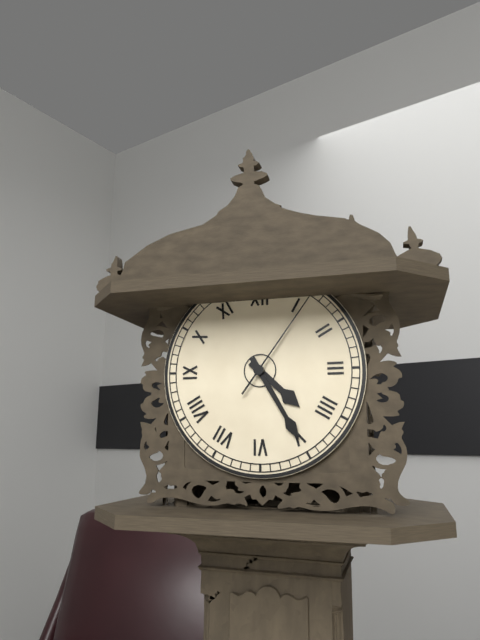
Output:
4:25:06
